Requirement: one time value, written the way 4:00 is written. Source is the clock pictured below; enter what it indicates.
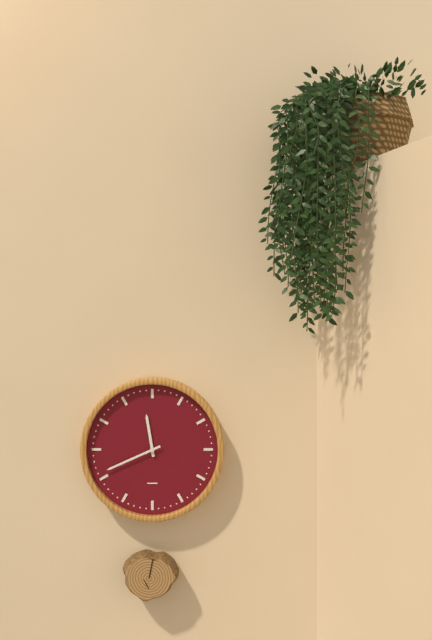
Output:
11:41
